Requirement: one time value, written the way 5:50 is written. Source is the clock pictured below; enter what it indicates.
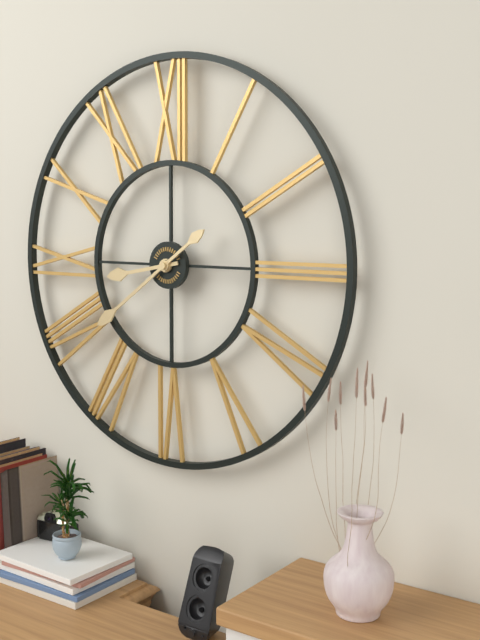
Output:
8:39
